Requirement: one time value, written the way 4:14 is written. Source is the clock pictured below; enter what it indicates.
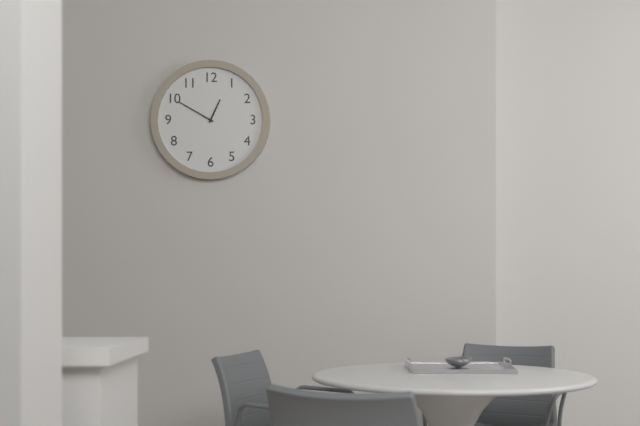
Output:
12:50
